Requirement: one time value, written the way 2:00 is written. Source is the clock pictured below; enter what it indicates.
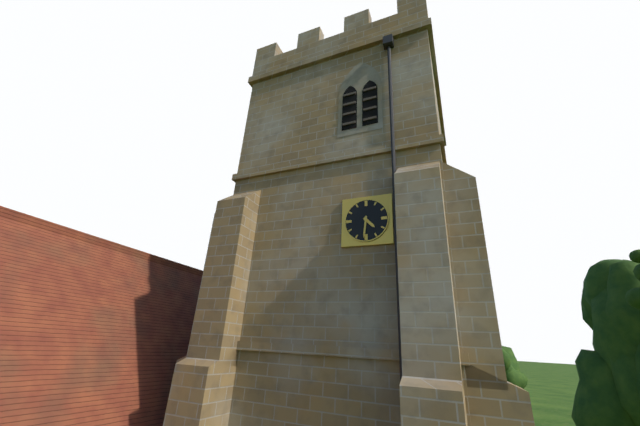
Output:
4:31
